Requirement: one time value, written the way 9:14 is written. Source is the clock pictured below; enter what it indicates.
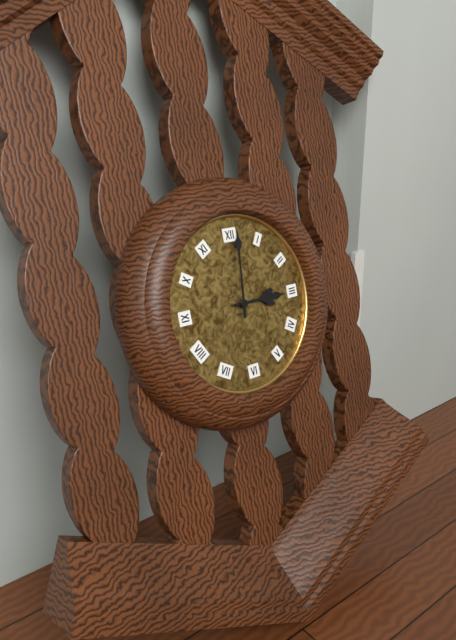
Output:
3:01
